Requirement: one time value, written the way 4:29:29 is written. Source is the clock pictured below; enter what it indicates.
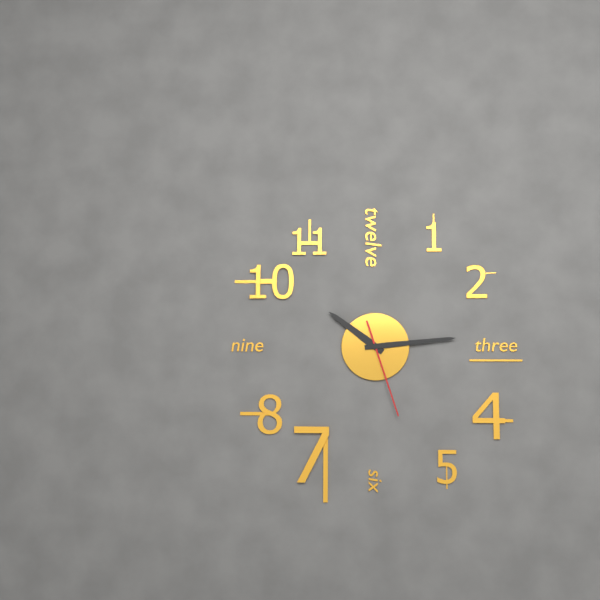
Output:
10:14:27
